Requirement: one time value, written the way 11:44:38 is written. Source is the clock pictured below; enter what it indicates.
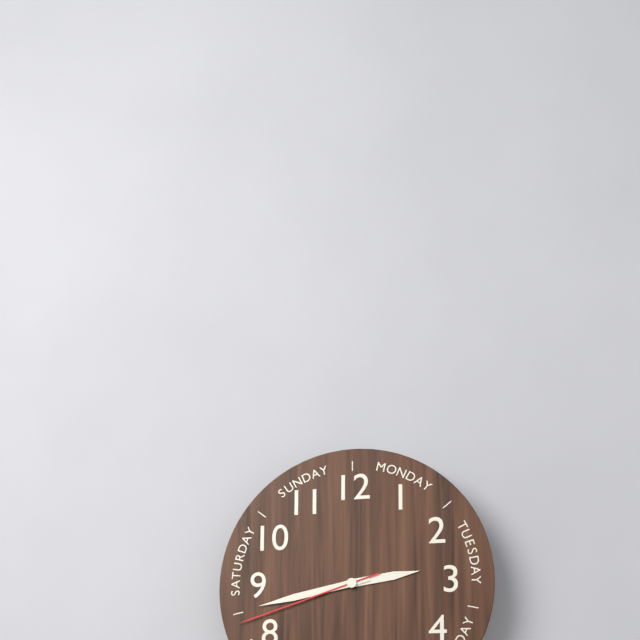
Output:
2:43:42
